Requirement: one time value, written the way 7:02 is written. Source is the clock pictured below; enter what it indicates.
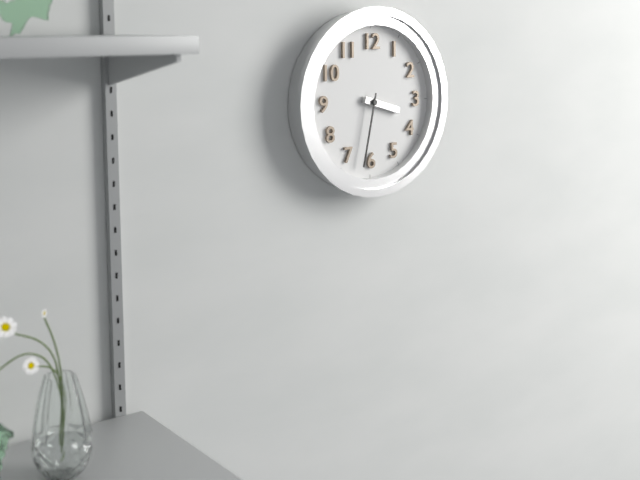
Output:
3:32
